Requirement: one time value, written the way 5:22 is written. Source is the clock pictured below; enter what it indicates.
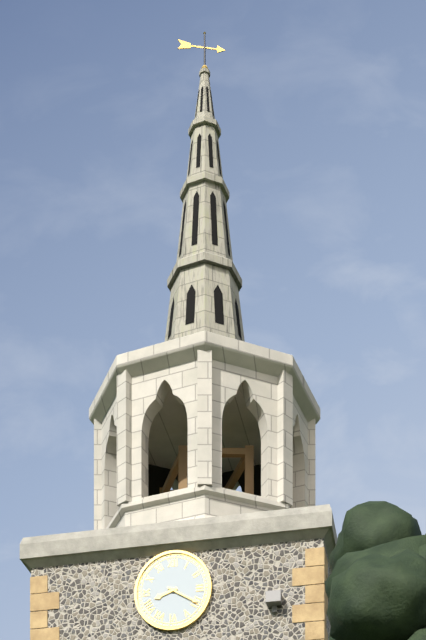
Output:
8:20
